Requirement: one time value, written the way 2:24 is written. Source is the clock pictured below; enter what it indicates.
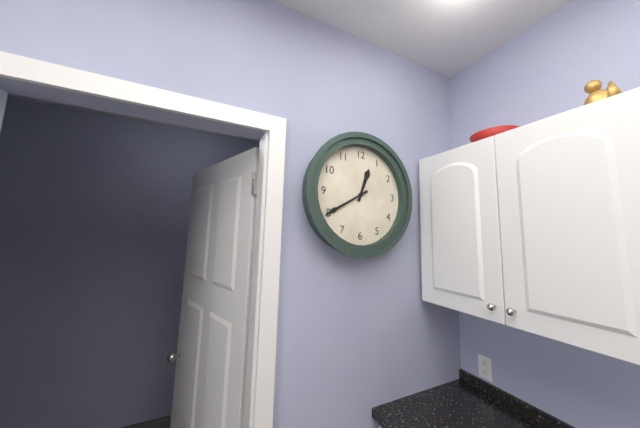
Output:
12:40
